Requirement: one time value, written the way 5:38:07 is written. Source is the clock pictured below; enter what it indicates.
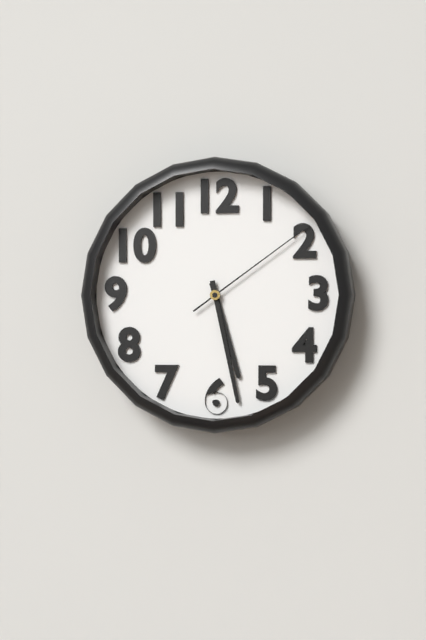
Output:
5:28:09
